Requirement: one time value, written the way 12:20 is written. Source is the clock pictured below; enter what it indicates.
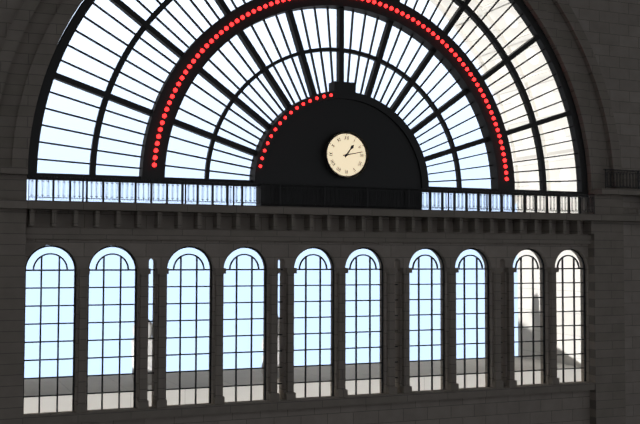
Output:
1:13
